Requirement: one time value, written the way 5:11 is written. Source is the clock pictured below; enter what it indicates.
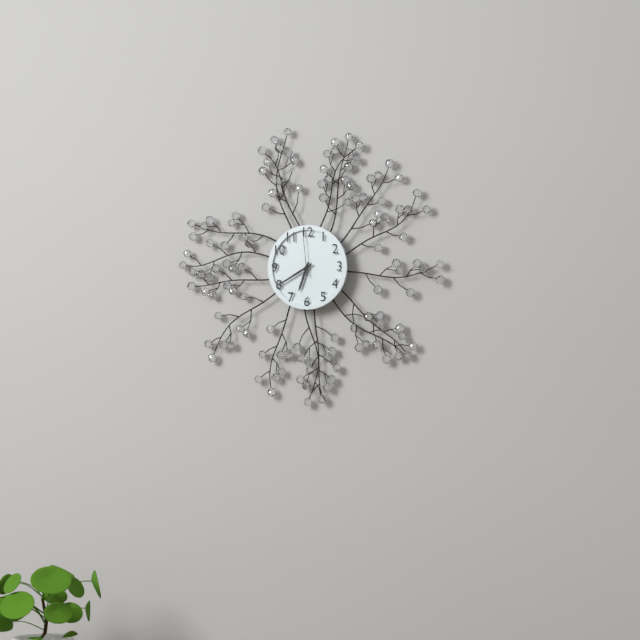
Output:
6:40
